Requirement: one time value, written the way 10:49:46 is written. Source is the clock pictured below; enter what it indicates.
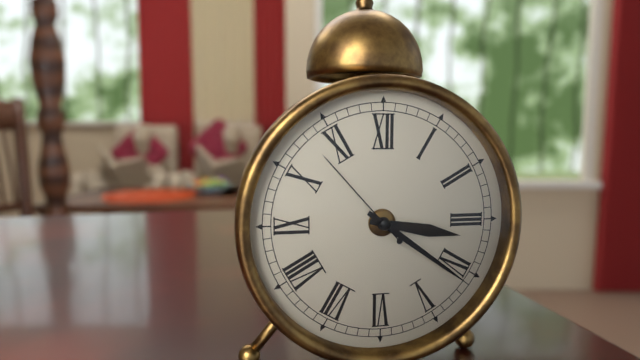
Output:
3:21:53
